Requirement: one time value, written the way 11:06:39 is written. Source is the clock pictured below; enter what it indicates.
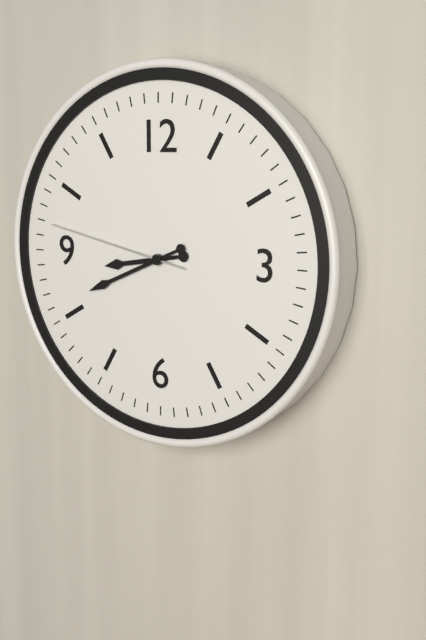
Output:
8:41:47
